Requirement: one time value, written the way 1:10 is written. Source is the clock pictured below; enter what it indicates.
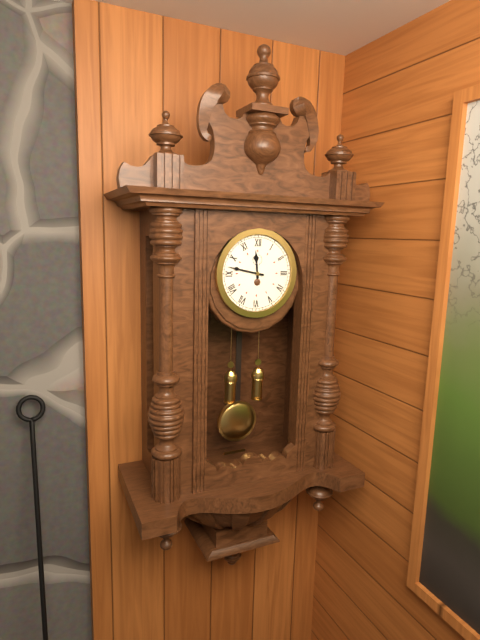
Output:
11:47
